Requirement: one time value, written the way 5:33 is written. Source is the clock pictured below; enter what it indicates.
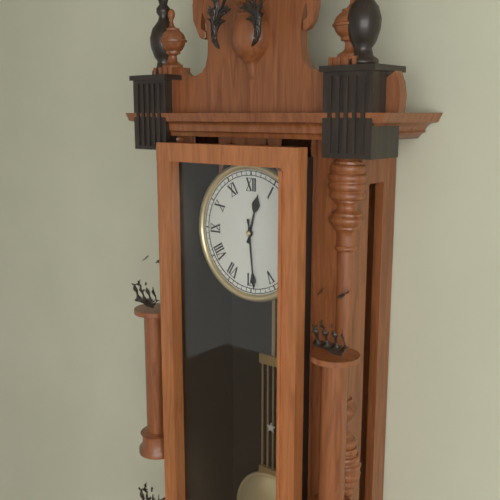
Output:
12:29
